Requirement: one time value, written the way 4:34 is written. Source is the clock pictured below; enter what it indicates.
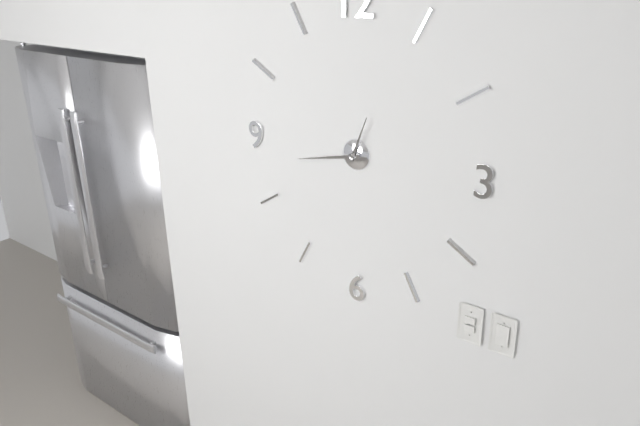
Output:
12:43
